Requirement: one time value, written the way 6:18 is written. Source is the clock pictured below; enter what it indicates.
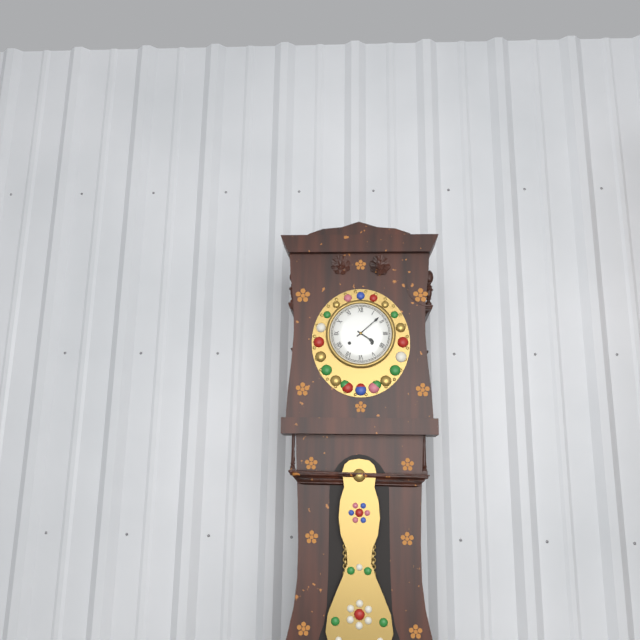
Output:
4:08
